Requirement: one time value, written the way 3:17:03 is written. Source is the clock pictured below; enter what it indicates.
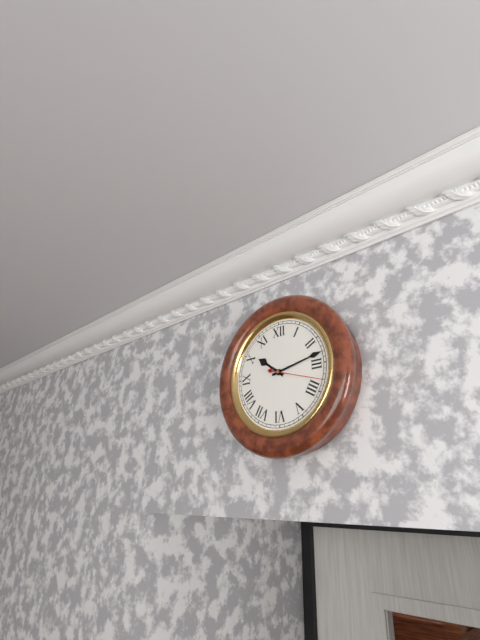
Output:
10:13:18
